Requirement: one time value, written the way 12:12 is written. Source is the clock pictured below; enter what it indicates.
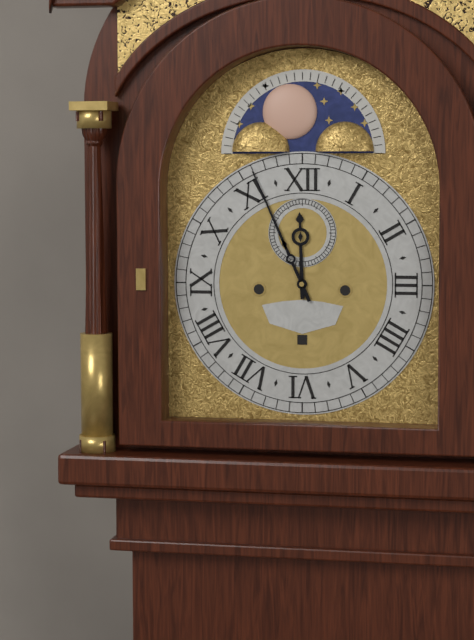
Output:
11:56
